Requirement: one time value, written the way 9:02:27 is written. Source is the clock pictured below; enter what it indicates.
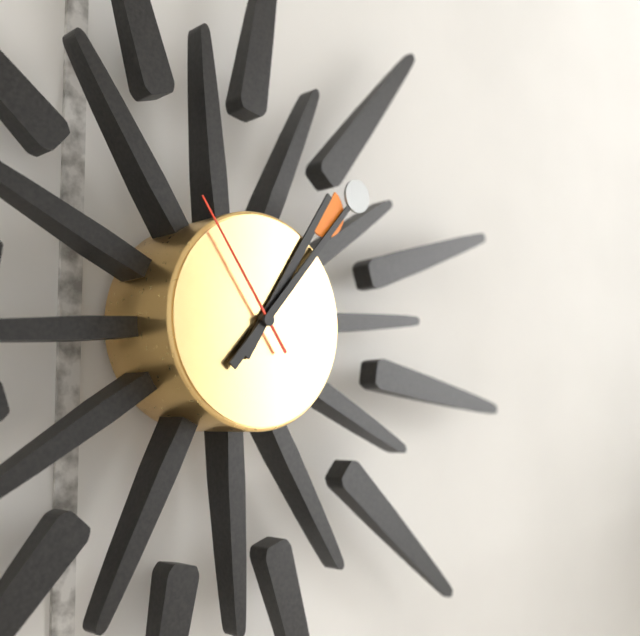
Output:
1:07:54
